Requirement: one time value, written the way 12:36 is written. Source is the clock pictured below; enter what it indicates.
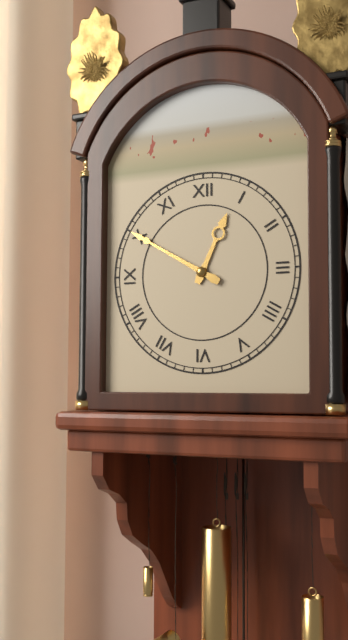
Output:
12:50
